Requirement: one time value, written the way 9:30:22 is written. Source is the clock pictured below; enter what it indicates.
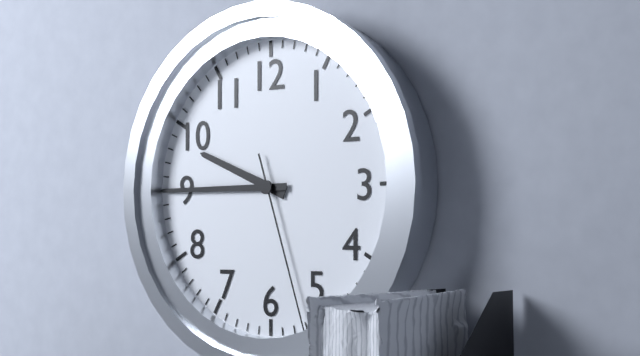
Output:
9:45:27
